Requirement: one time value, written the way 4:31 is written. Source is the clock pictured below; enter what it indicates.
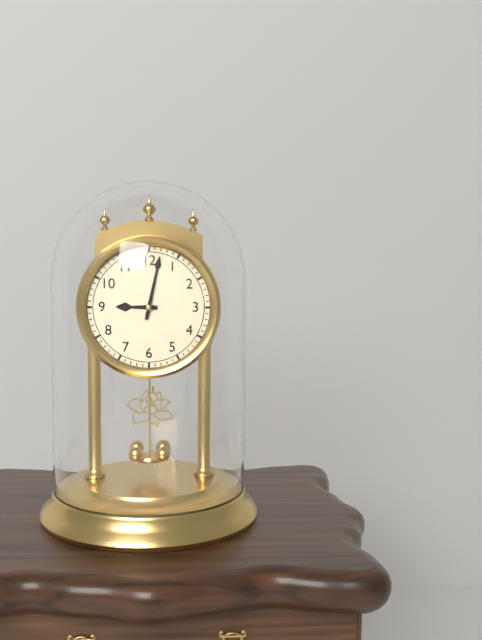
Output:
9:02
